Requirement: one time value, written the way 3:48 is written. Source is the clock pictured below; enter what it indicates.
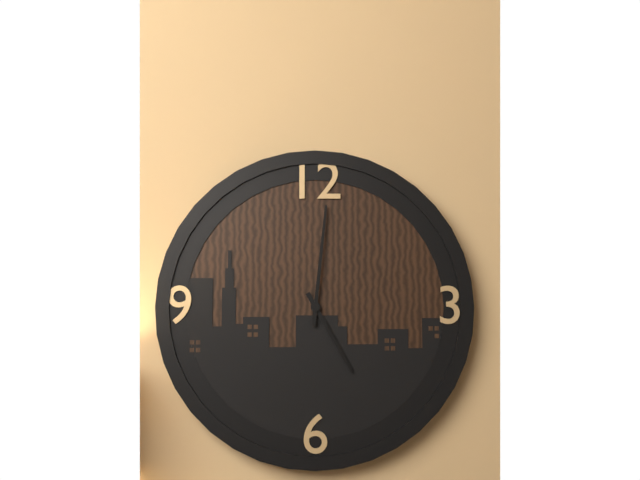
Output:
5:01
